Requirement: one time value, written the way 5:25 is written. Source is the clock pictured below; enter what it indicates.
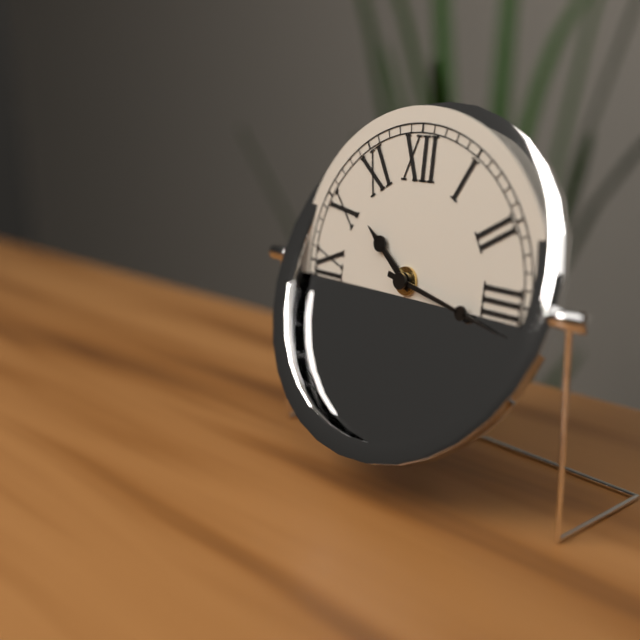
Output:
10:17
